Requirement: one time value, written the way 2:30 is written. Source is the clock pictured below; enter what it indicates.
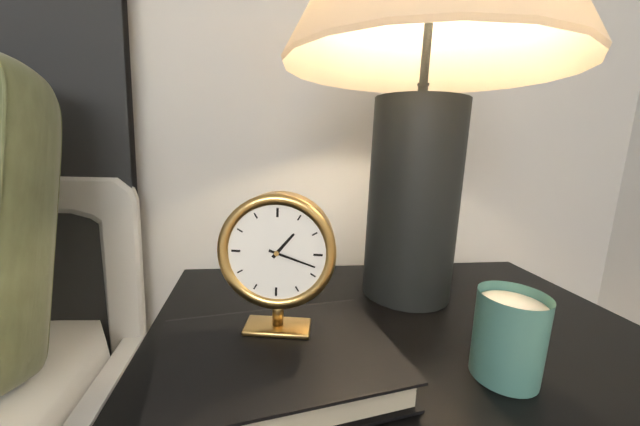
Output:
1:18
